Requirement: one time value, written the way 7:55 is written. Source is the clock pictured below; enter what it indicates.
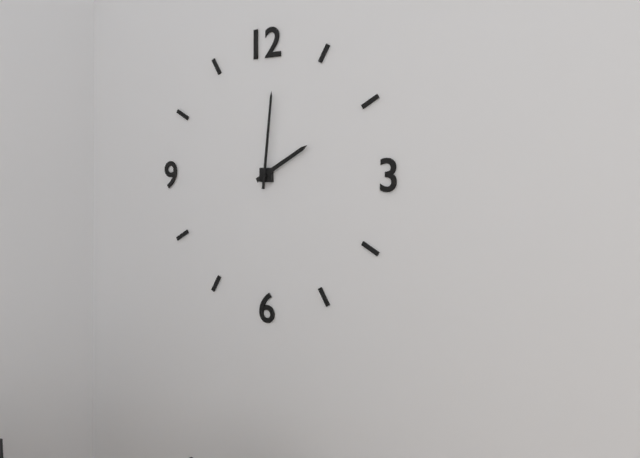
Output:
2:01
